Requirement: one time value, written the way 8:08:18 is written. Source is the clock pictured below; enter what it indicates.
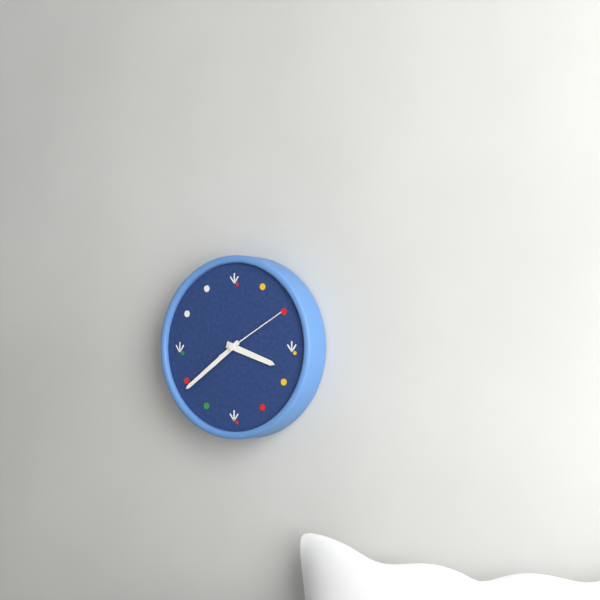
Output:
3:39:10
